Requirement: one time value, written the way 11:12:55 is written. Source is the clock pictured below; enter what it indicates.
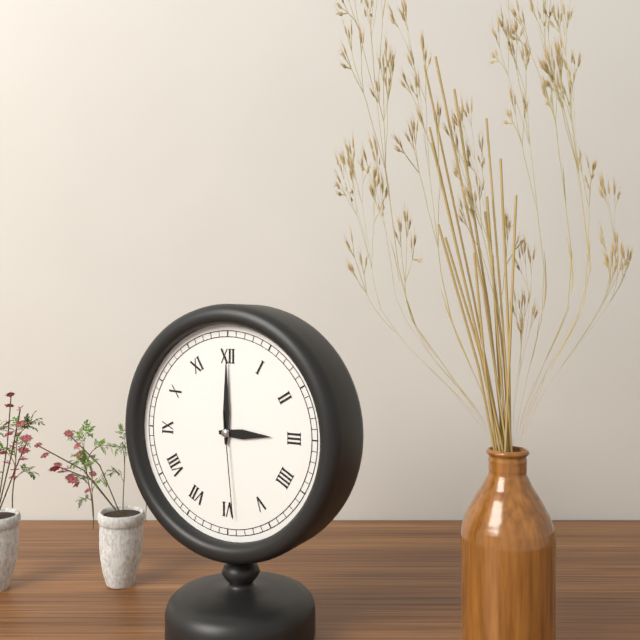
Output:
3:00:29
